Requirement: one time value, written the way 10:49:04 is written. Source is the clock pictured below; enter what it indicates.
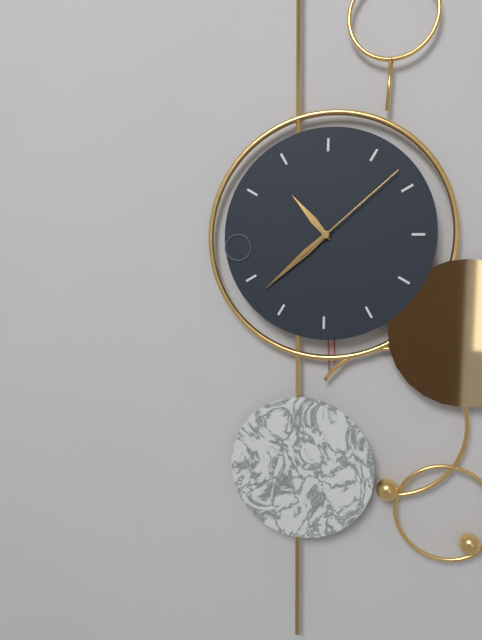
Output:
10:38:08
